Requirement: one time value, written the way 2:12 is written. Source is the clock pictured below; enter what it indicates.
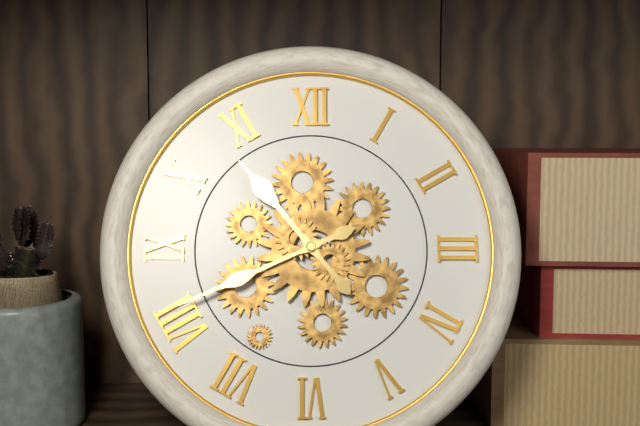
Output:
10:41
